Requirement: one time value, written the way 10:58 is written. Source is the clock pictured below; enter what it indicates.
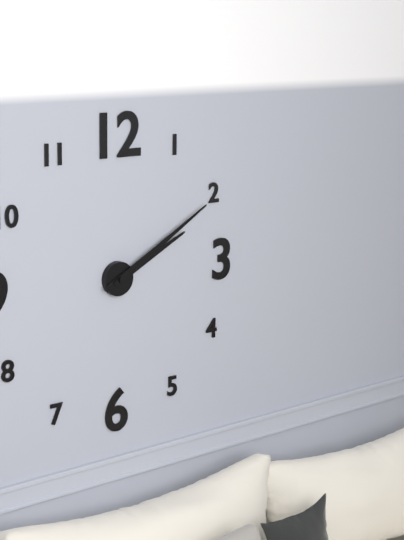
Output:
2:10
